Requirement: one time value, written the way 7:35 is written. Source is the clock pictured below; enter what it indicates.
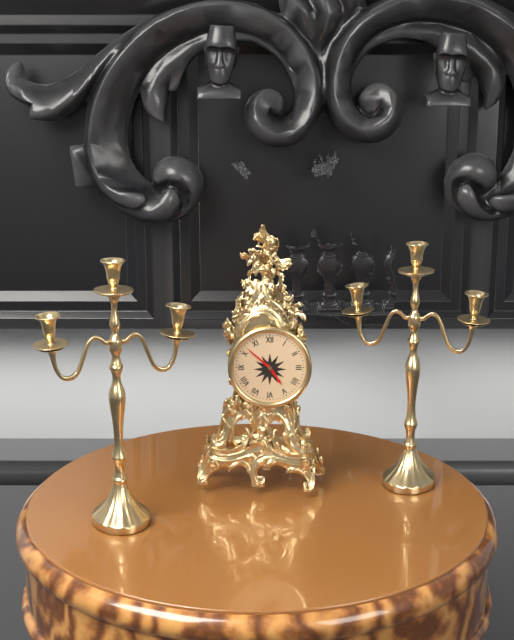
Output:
4:52
